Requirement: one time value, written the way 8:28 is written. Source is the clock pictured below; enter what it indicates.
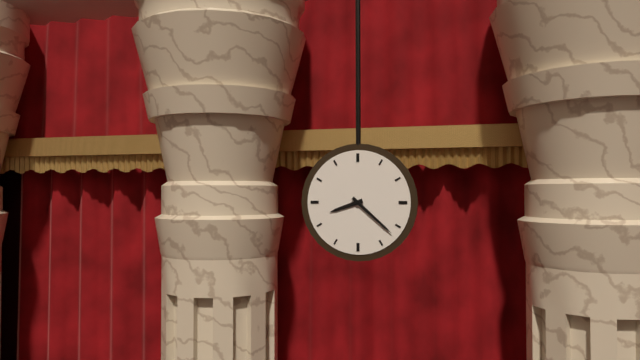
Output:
8:22
